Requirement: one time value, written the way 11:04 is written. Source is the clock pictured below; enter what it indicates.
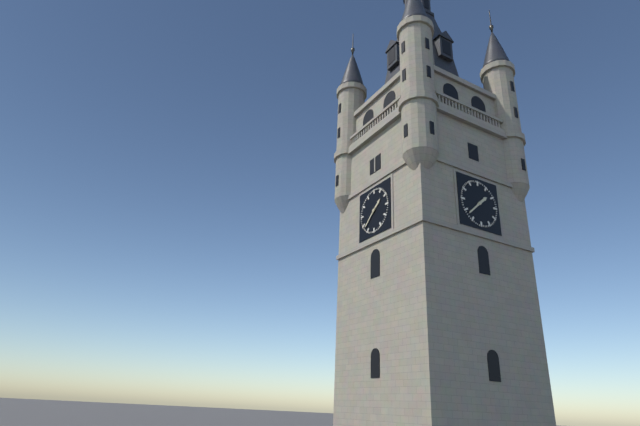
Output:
1:38
